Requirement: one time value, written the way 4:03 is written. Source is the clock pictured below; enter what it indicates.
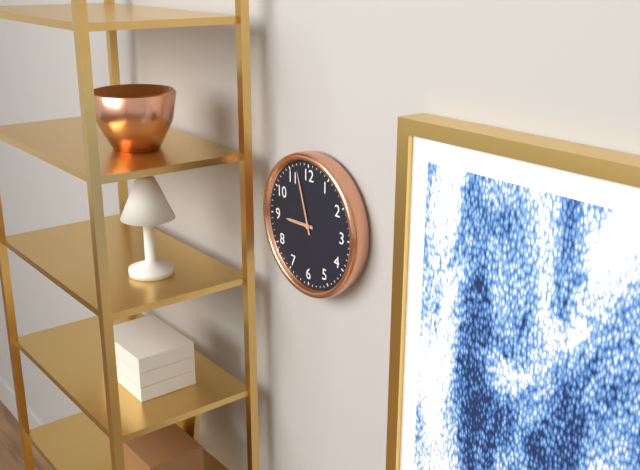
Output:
8:57
